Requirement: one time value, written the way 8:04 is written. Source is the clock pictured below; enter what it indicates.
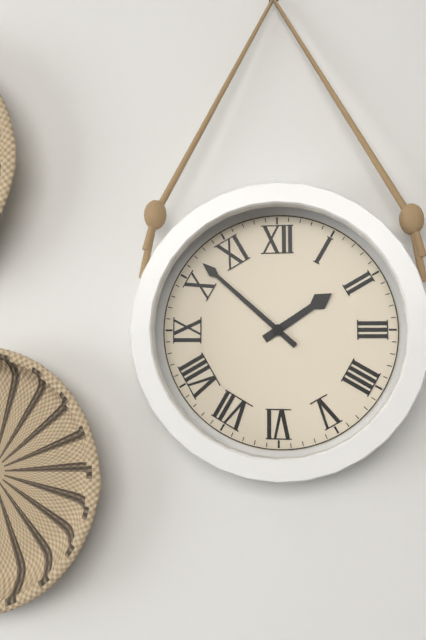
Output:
1:52
